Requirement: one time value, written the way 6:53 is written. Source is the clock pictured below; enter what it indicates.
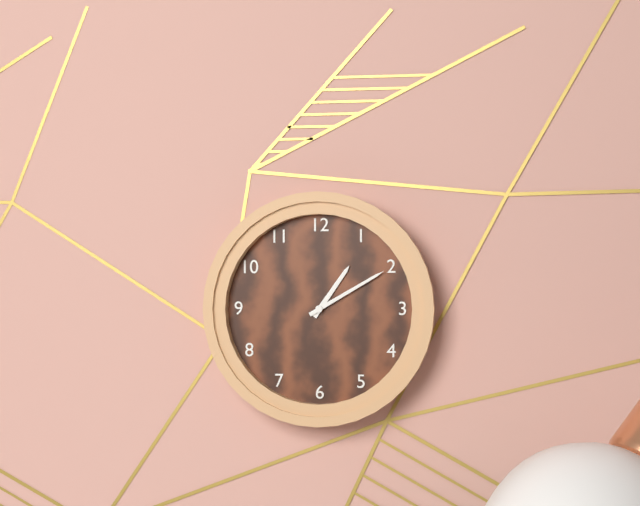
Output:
1:10
